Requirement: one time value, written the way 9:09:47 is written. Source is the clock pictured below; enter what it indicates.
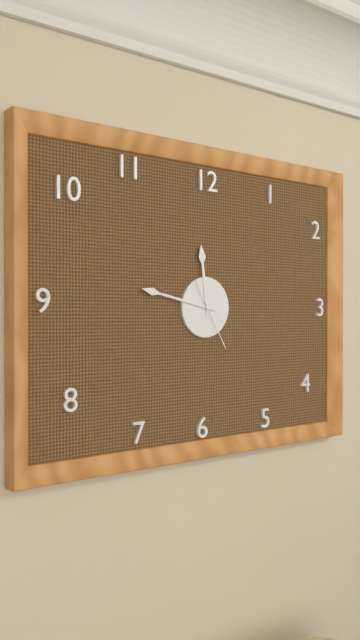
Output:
11:47:25
